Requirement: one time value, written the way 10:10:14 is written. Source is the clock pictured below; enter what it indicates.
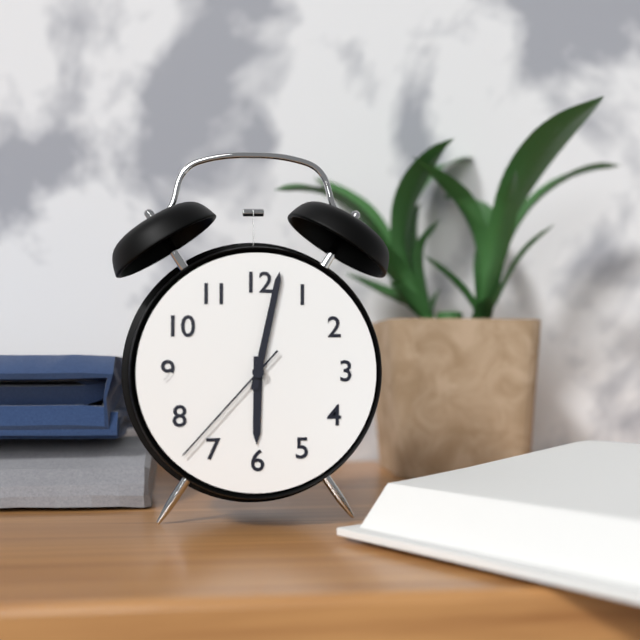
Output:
6:02:37
